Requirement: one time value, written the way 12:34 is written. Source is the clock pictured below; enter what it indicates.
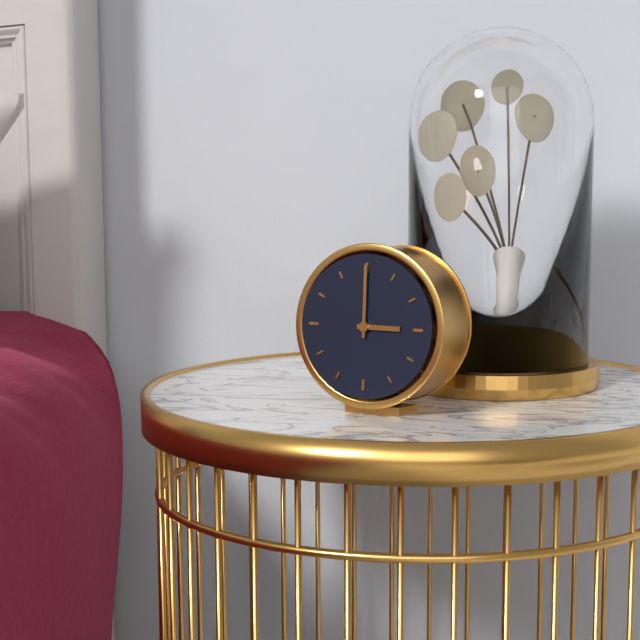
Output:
3:00
